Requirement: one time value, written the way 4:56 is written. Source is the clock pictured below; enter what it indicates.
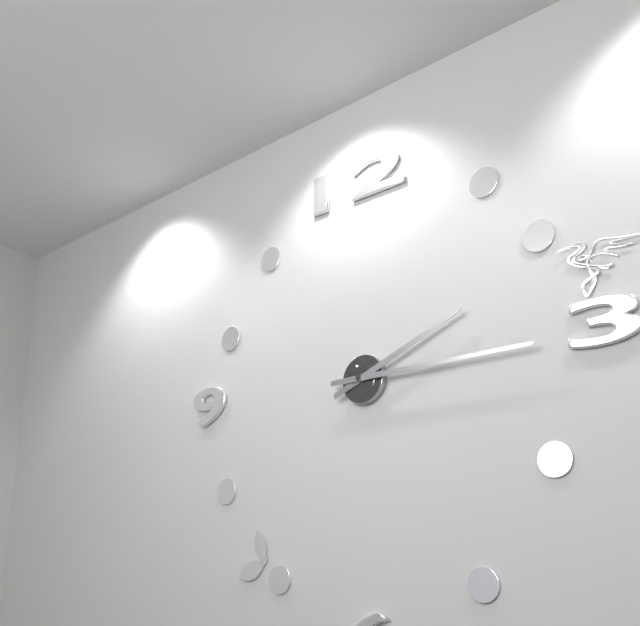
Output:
2:15
